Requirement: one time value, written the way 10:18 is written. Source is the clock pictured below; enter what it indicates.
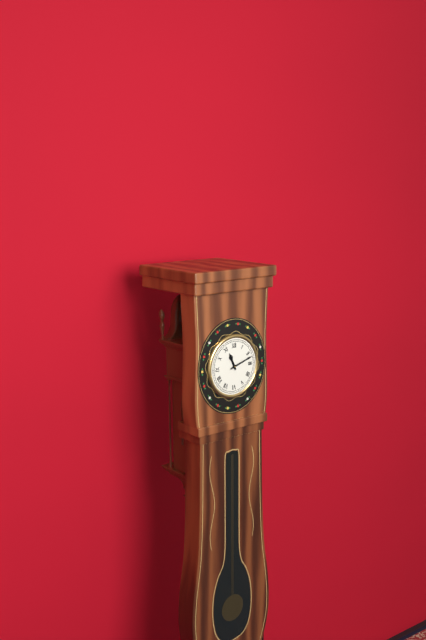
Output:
11:12
